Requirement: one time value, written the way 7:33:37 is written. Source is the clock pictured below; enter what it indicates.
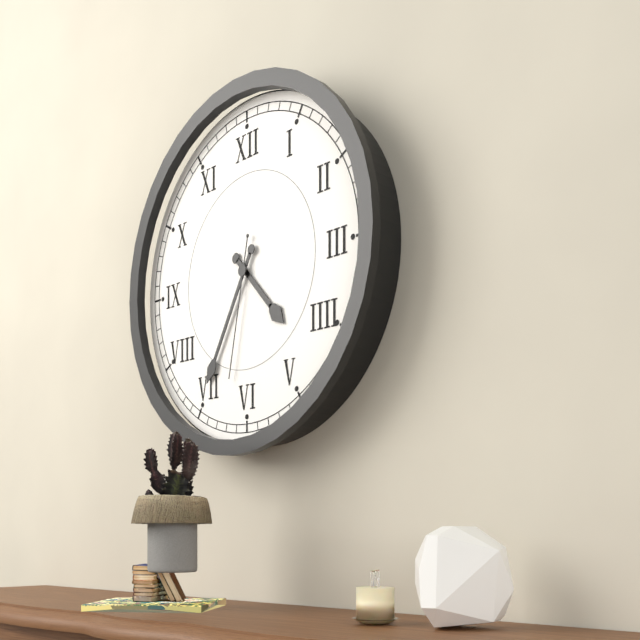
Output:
4:35:32
